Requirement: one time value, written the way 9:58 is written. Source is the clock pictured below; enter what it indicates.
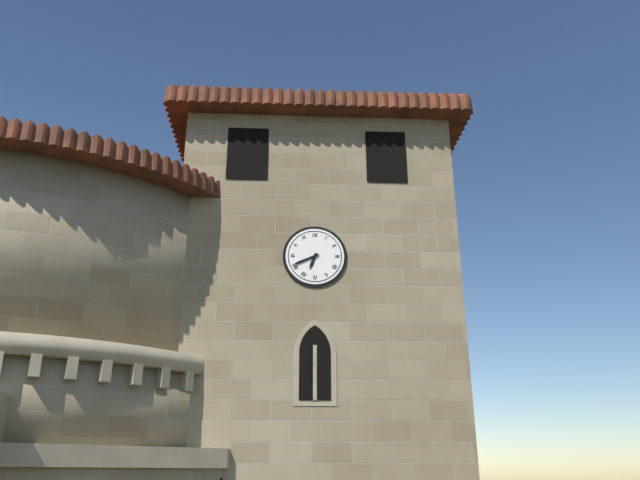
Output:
6:41
